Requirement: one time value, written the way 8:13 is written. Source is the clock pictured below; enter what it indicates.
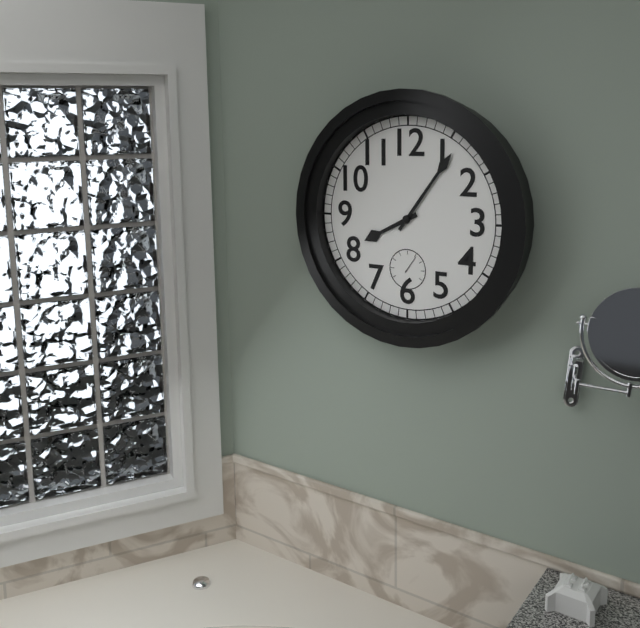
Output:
8:06
